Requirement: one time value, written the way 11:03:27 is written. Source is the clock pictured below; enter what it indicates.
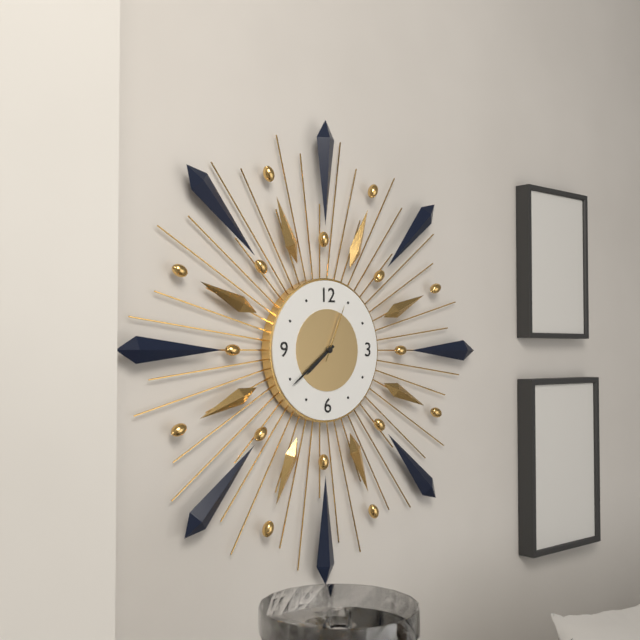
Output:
7:39:04
